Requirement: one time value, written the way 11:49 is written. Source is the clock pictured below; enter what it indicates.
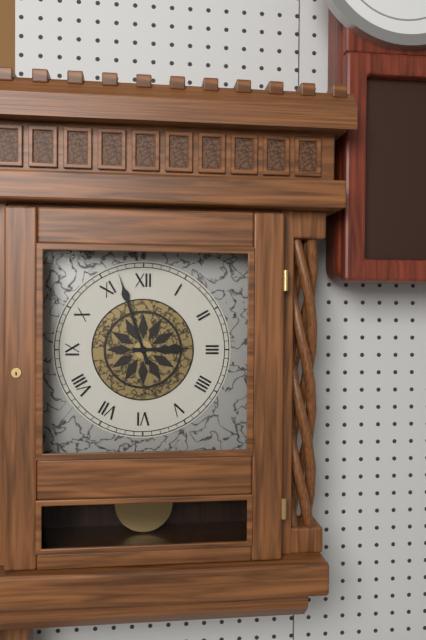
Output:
2:57
